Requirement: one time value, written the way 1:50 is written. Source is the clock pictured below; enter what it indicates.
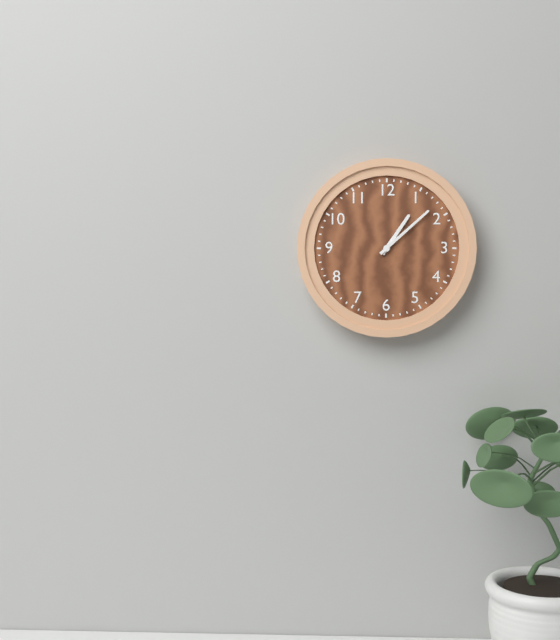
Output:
1:08
